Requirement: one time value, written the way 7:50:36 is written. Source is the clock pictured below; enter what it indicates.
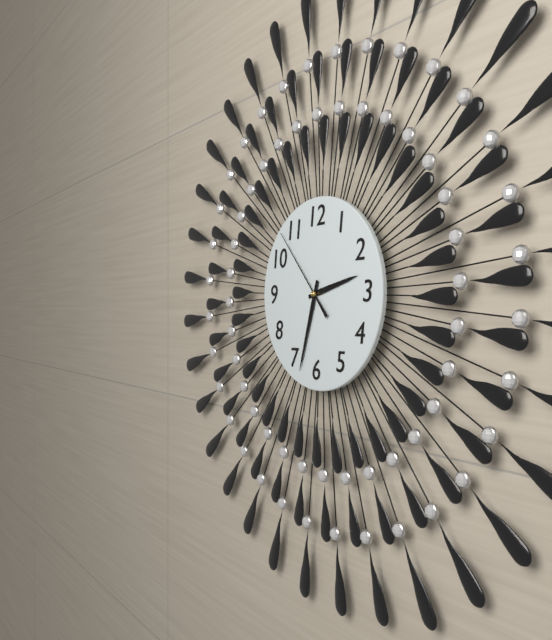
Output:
2:33:53
